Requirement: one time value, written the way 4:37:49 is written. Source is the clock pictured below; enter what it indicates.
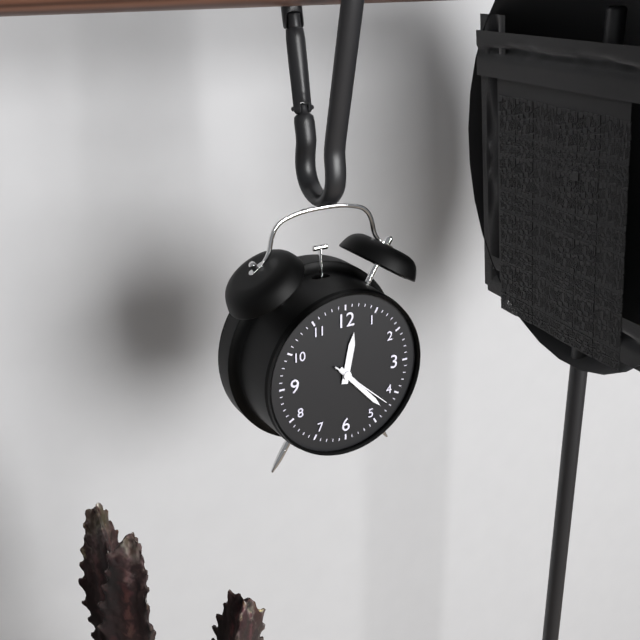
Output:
12:23:22
